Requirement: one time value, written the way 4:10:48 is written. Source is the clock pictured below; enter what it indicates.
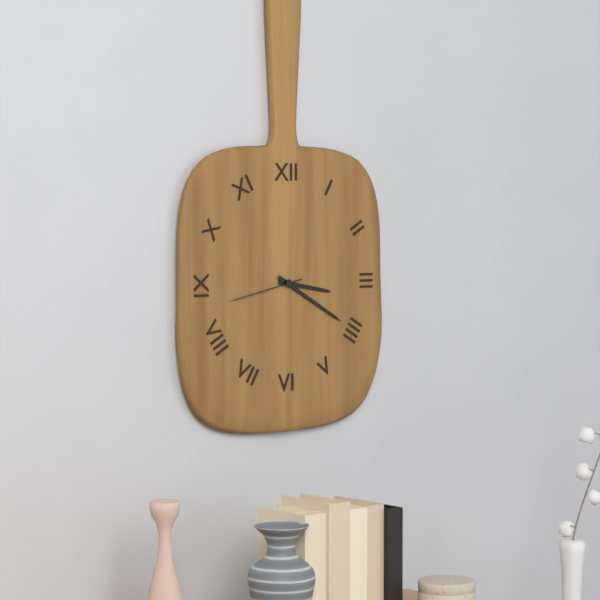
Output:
3:20:43
